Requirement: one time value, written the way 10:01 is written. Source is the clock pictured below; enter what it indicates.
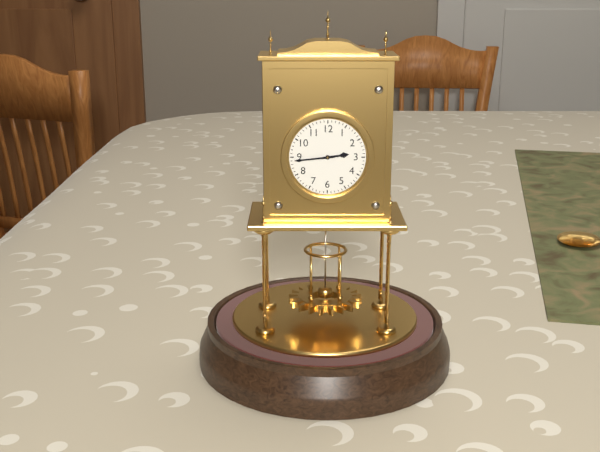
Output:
2:44
